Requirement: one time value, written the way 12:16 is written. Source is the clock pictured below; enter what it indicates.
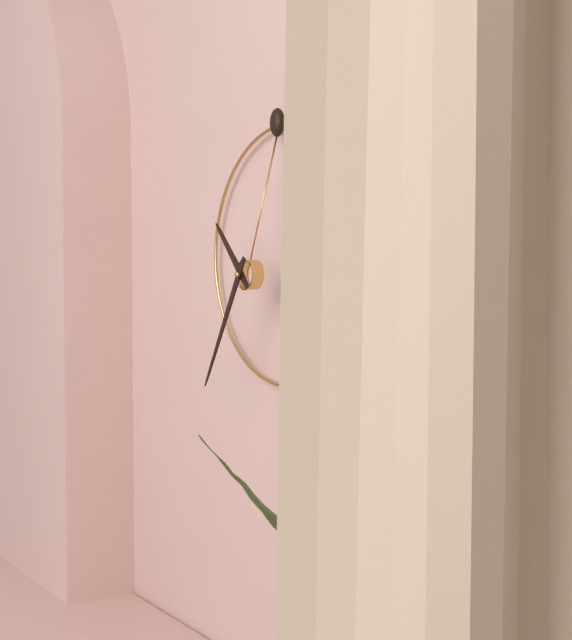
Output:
10:35
